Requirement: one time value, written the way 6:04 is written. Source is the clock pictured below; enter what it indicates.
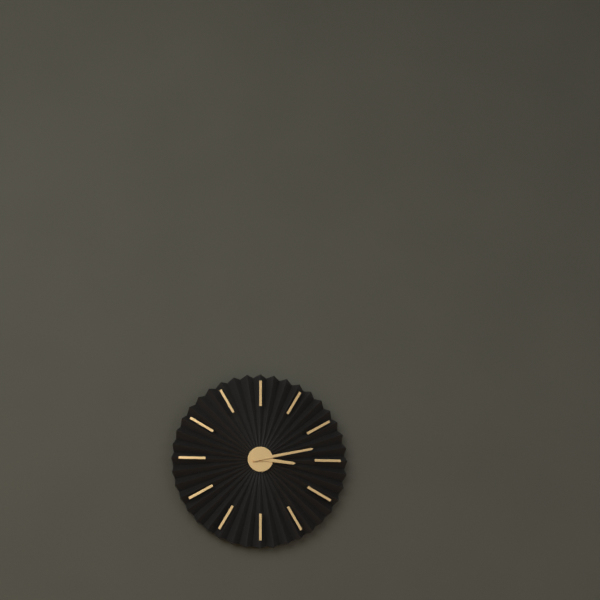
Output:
3:13
